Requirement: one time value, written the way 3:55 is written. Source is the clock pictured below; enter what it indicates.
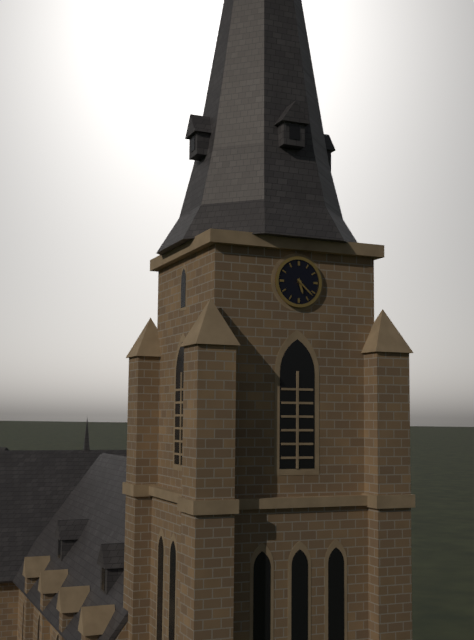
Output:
5:22
